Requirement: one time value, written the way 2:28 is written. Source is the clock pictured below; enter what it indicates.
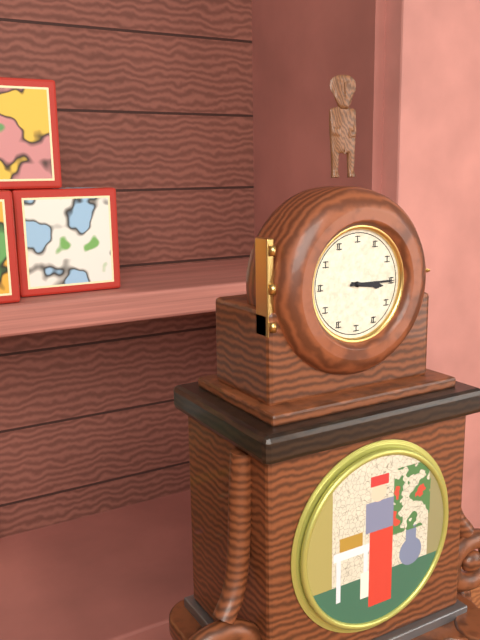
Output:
3:15
